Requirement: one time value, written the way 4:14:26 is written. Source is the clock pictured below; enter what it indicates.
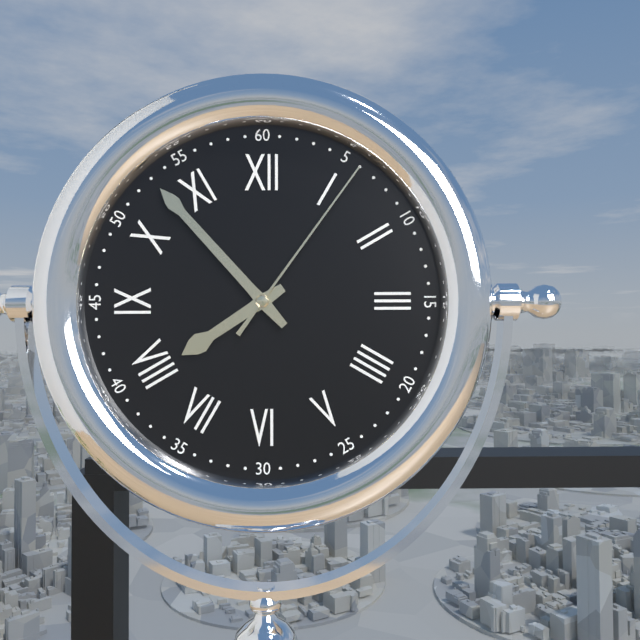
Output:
7:53:06
